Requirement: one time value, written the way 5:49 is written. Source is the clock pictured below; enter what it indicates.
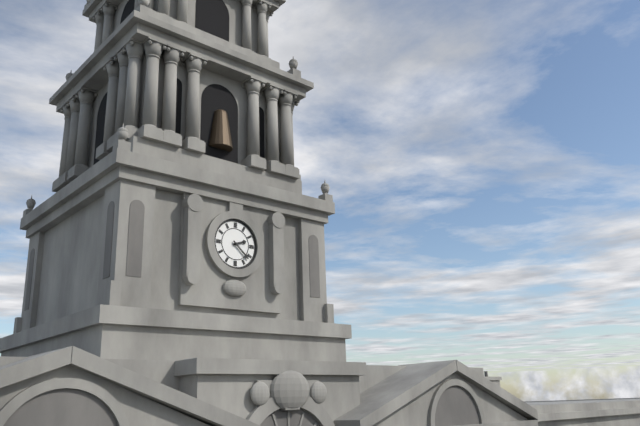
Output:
2:22
